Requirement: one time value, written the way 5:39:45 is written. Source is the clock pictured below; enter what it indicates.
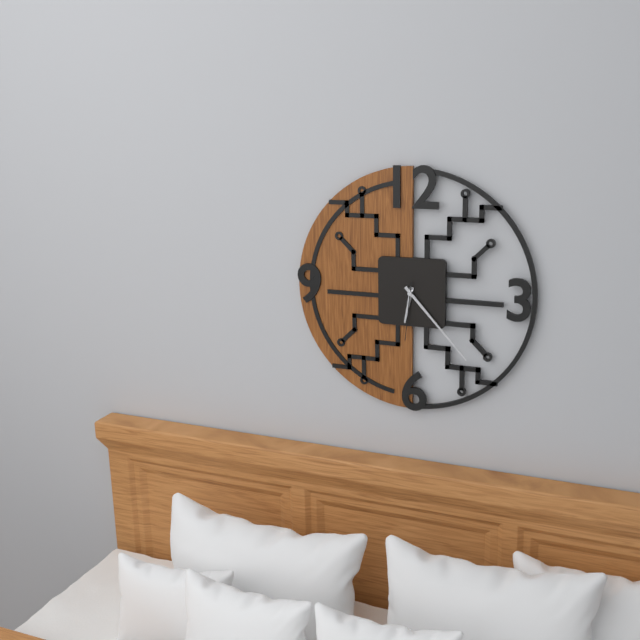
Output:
6:23:31
